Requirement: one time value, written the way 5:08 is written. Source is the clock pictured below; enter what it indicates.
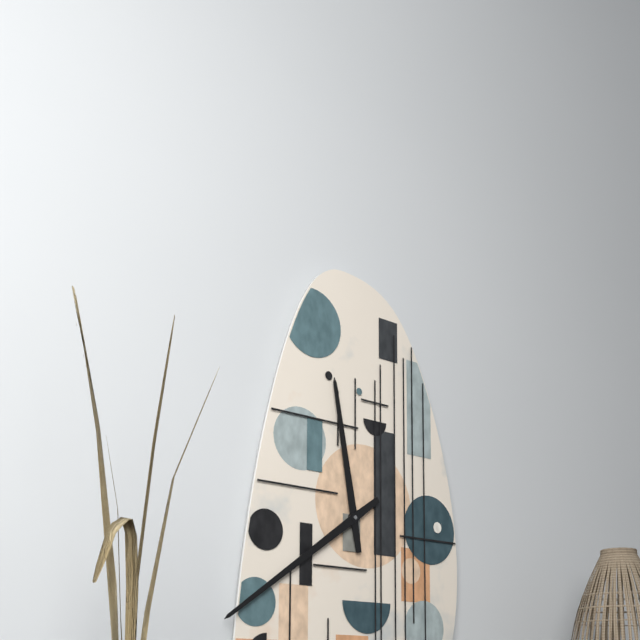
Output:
11:39
